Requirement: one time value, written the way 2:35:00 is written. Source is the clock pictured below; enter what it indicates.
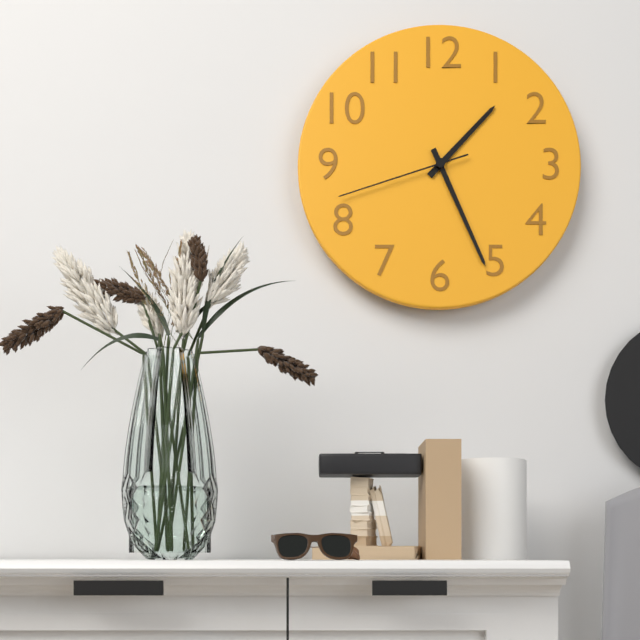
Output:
1:26:42
